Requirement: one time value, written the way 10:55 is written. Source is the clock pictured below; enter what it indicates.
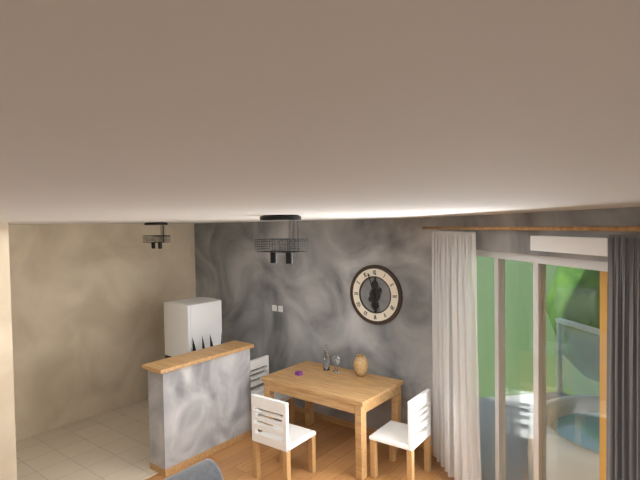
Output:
5:57
